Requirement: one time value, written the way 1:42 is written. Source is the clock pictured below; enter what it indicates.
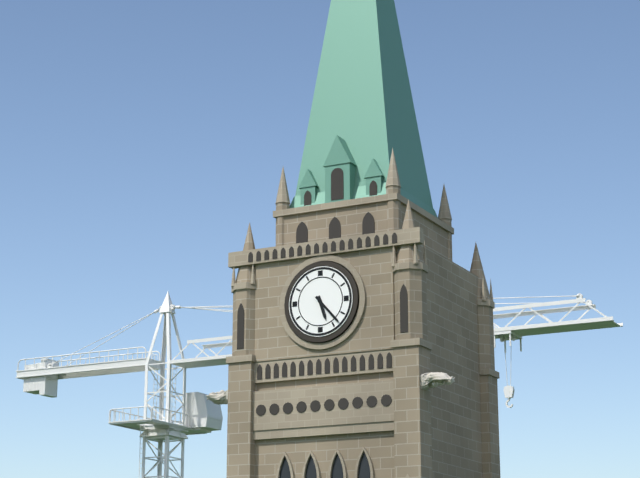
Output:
5:23
